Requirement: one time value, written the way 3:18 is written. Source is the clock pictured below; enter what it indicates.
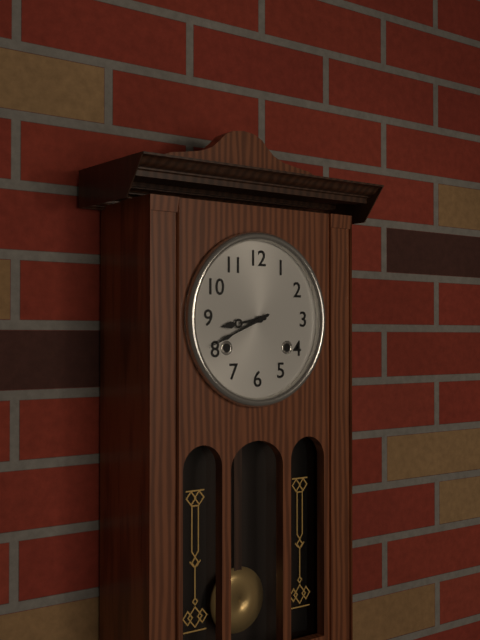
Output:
8:41
